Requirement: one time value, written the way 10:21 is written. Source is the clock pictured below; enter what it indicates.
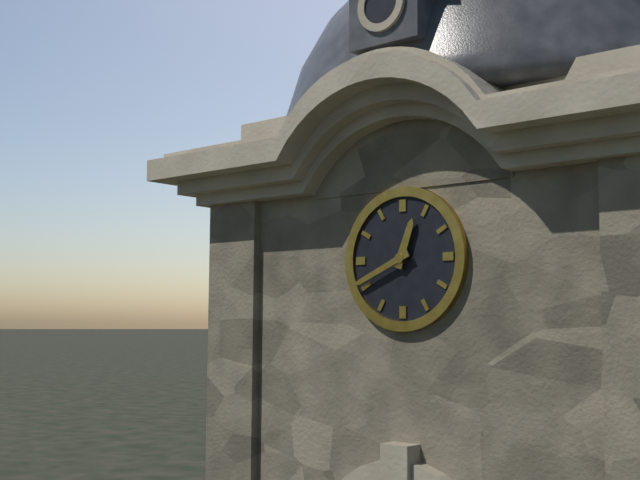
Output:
12:41
